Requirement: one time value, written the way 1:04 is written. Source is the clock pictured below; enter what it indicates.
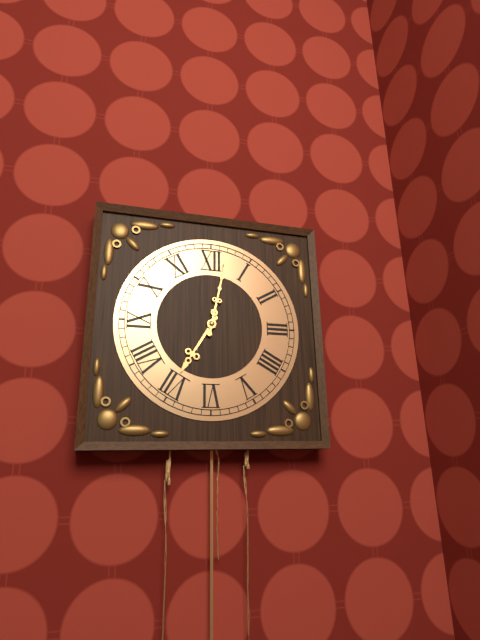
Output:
7:02
